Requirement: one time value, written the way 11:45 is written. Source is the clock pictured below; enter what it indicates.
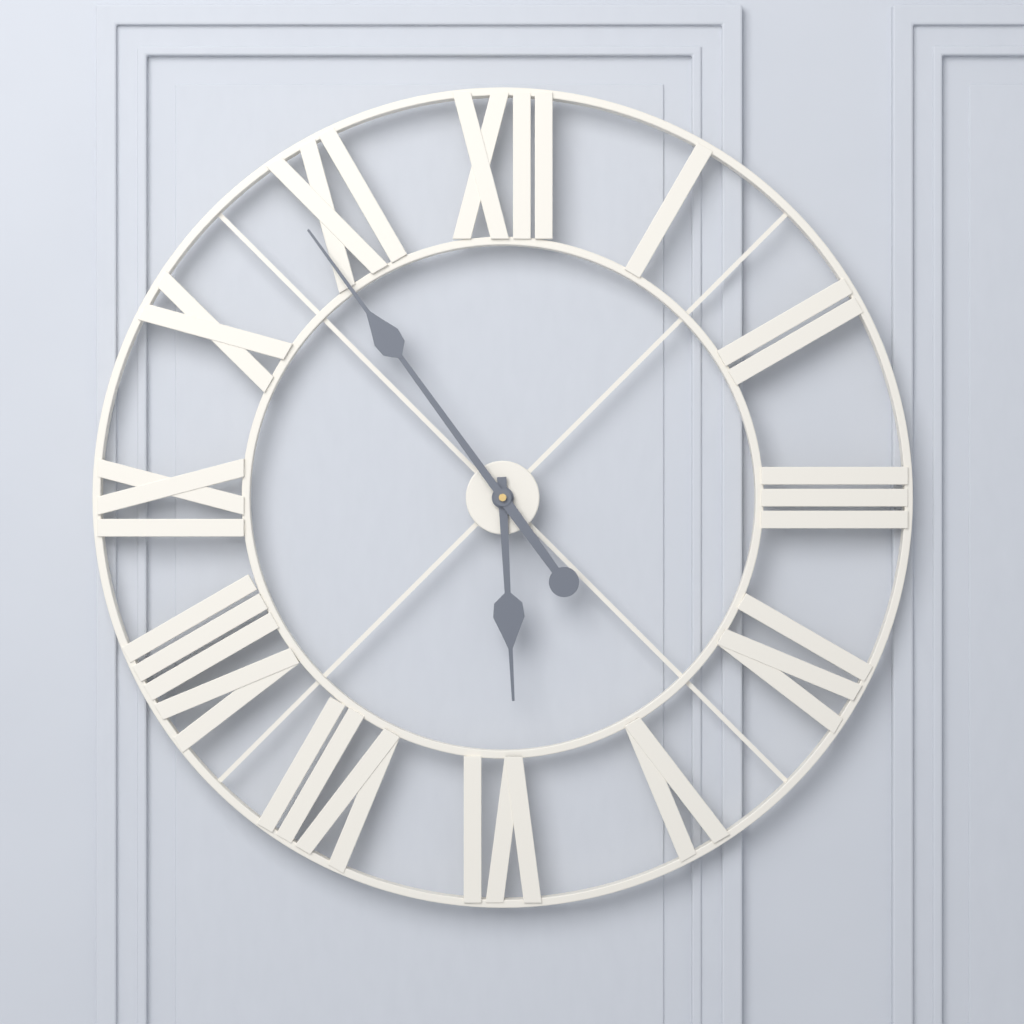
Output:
5:54
